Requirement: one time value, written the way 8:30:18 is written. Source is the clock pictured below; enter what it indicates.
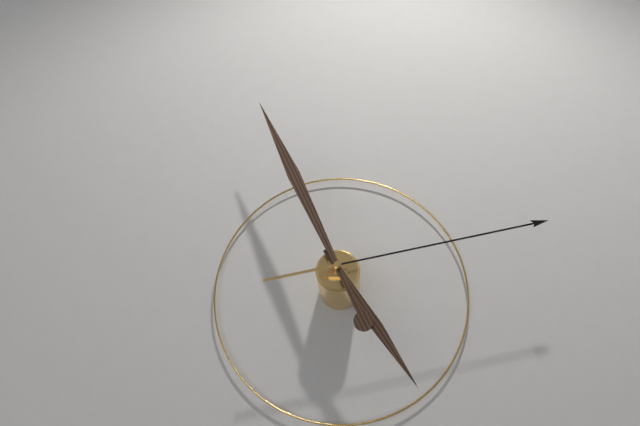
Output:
4:56:13
